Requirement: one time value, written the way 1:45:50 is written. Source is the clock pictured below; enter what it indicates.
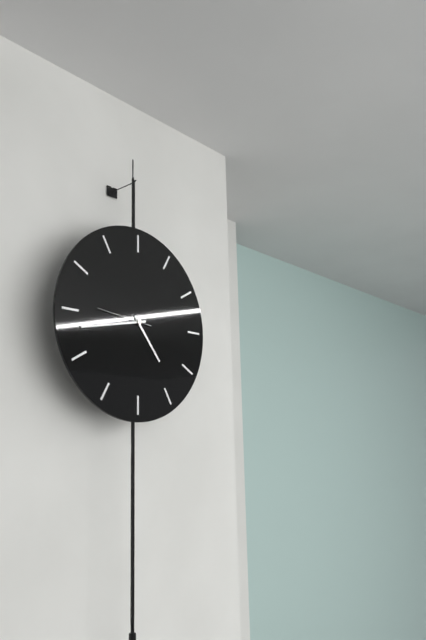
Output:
4:43:46
